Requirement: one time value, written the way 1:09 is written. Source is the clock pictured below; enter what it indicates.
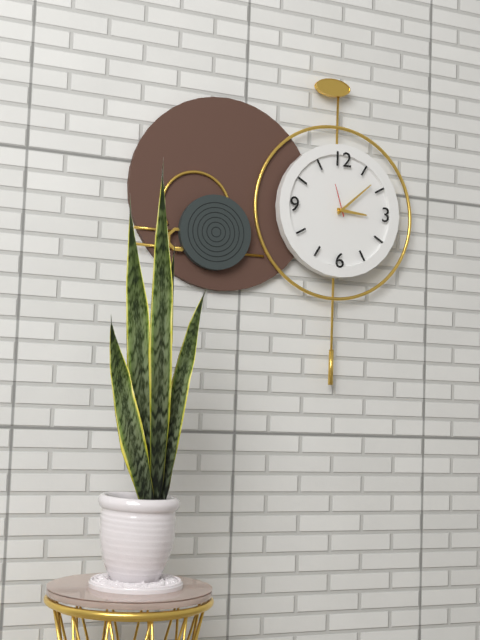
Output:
3:08
